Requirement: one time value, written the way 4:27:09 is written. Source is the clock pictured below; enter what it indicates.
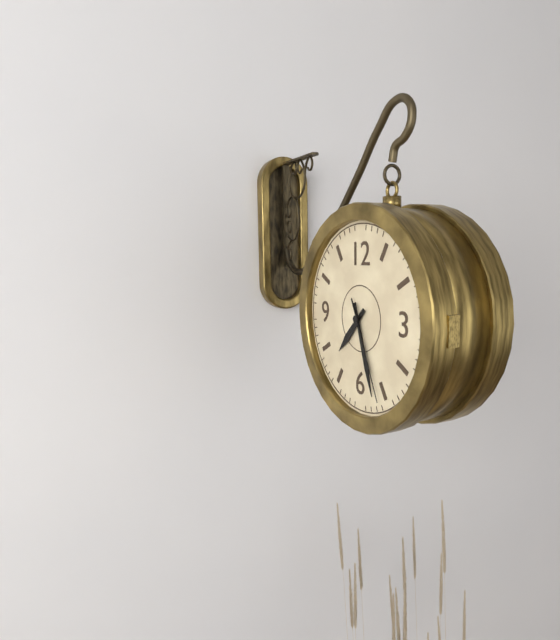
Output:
7:27:26
